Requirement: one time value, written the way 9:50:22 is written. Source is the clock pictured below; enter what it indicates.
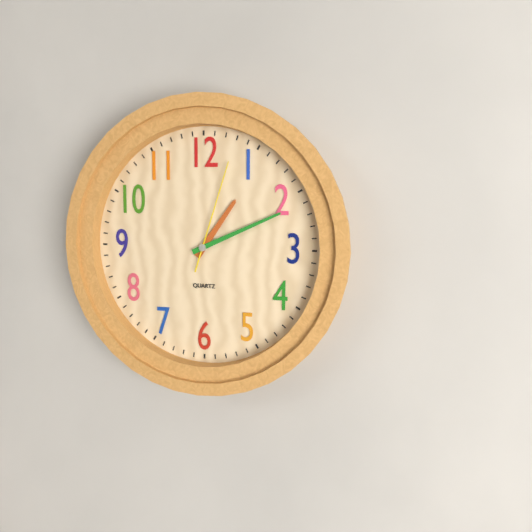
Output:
1:11:03
